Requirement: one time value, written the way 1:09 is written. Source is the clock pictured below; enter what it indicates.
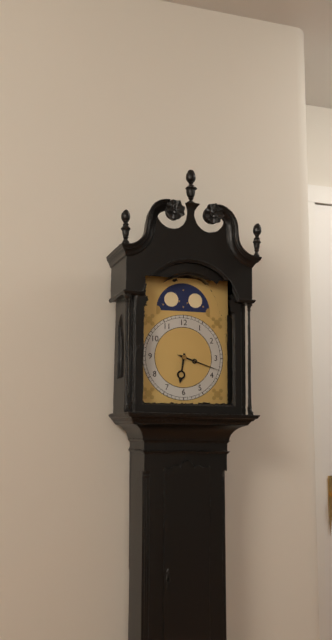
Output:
6:18
